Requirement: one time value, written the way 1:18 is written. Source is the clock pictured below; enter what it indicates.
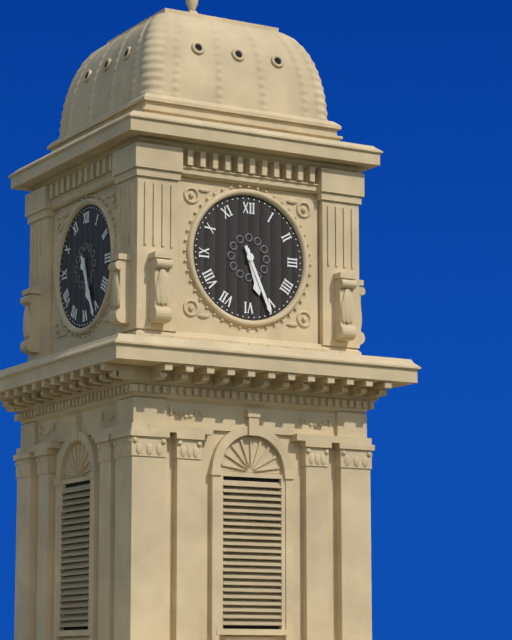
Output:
5:26
